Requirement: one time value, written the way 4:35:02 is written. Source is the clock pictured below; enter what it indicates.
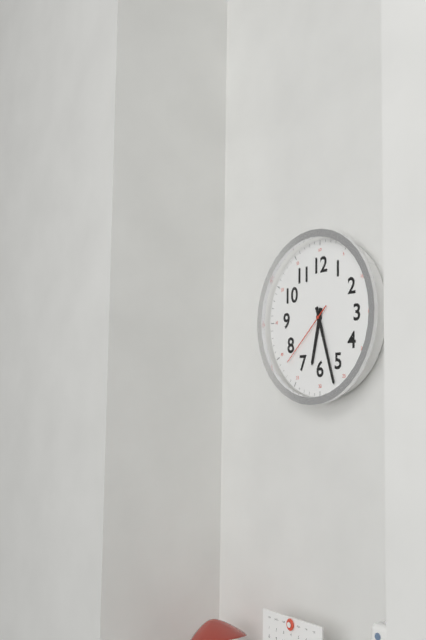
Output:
6:27:38
